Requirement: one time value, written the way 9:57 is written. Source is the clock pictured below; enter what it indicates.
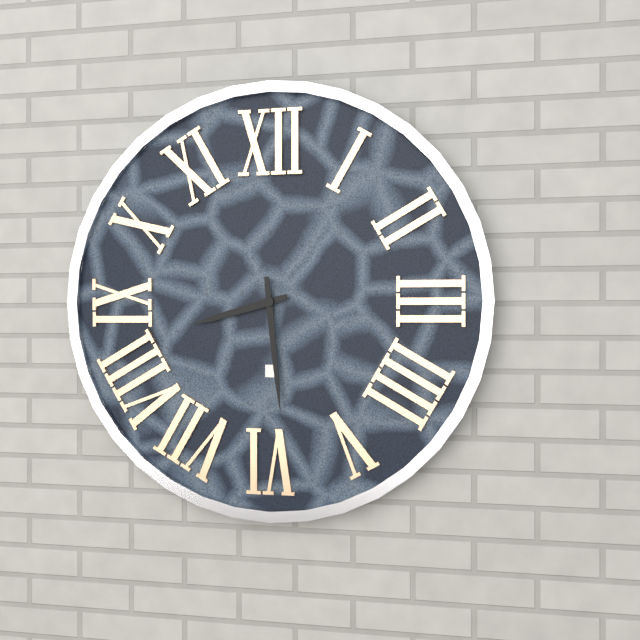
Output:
8:29
